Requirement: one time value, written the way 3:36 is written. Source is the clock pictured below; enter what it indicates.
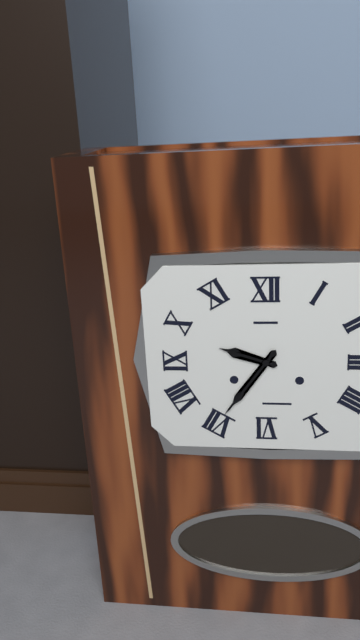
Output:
9:36
